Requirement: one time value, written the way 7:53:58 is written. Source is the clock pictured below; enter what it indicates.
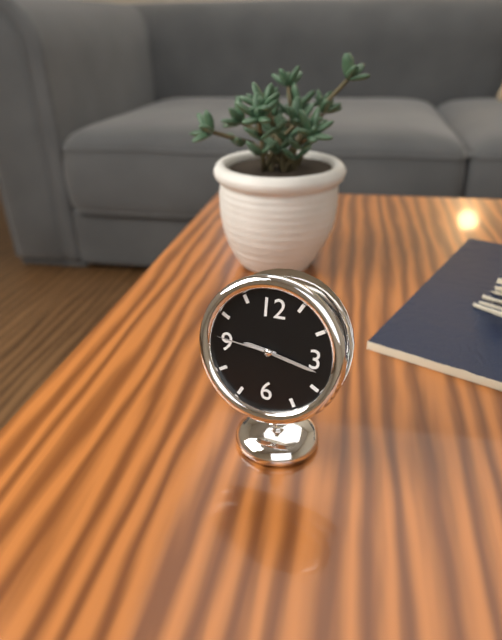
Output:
9:17:46
